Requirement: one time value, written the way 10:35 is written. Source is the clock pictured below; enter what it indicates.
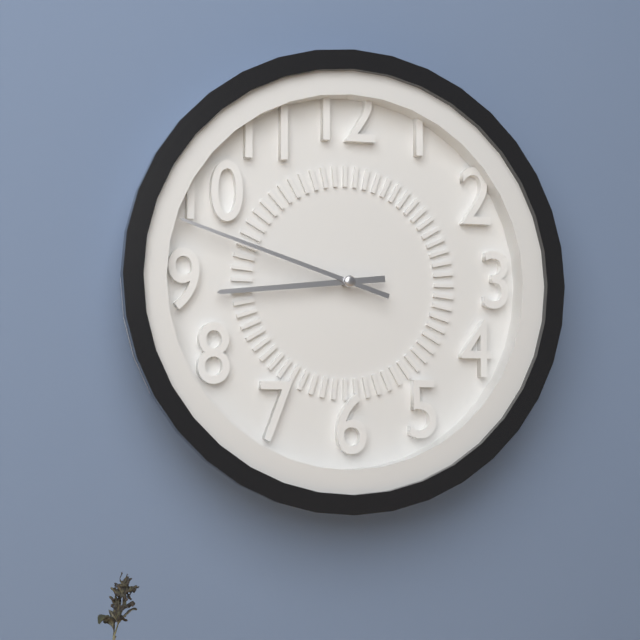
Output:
8:48
